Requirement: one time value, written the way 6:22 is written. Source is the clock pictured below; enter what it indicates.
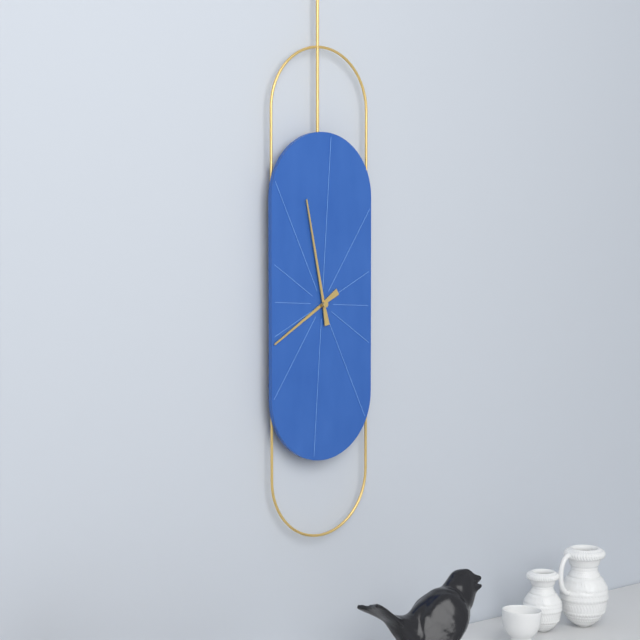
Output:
7:58
